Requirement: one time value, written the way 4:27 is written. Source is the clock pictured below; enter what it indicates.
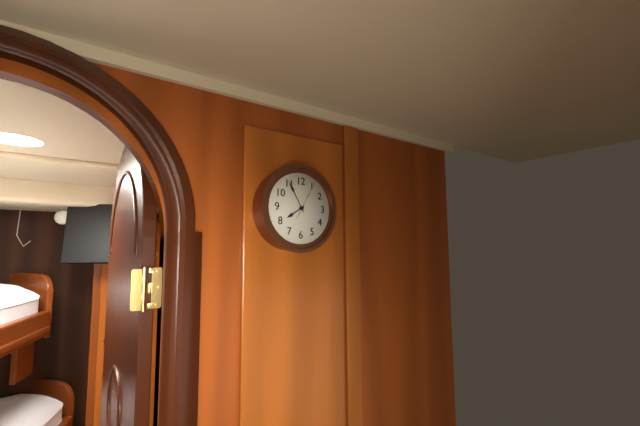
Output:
7:55
